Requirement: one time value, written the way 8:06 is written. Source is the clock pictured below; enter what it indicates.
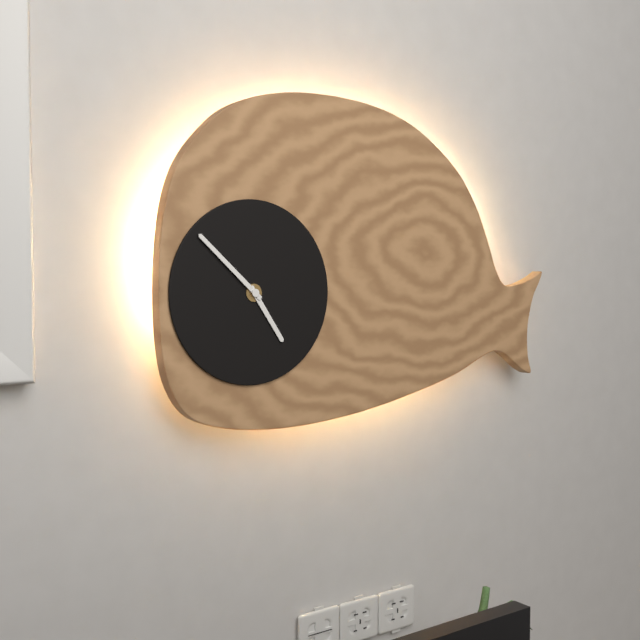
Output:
4:52
